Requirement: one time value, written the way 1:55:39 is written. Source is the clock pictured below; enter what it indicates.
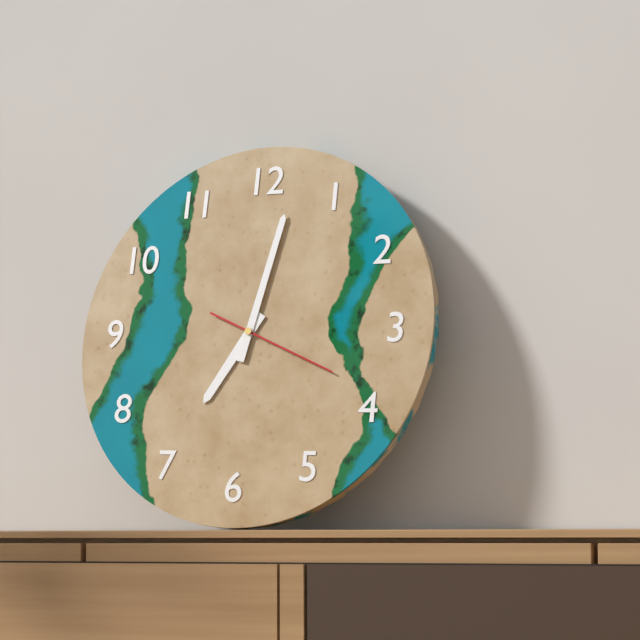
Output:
7:02:19
